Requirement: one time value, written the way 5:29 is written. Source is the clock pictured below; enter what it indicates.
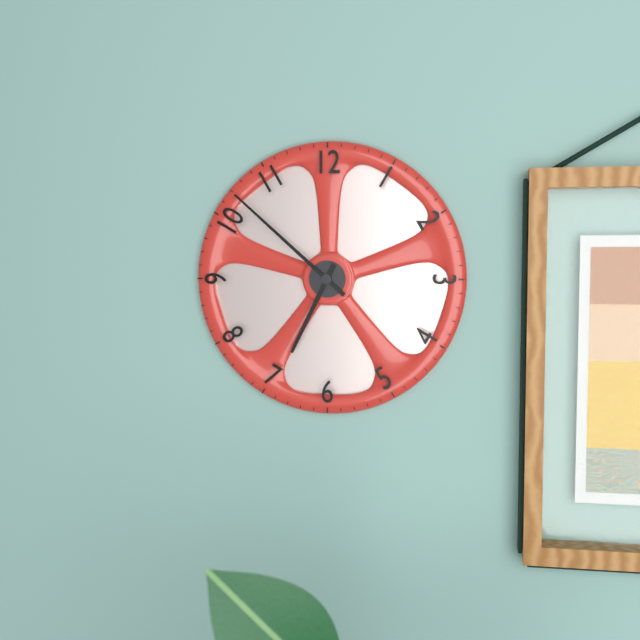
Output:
6:52
